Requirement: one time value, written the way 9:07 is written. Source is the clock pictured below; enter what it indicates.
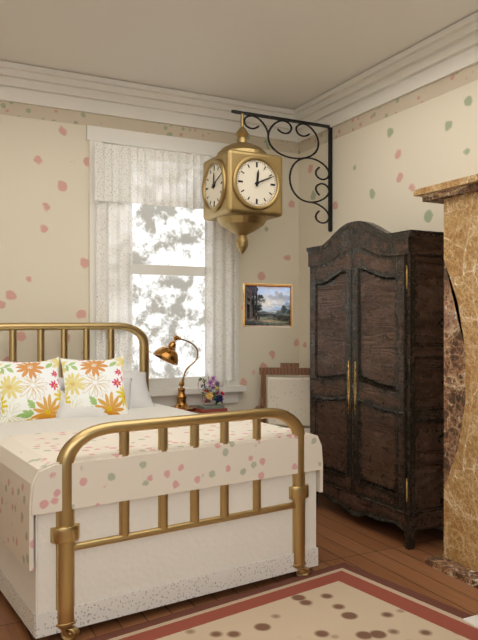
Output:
12:11
